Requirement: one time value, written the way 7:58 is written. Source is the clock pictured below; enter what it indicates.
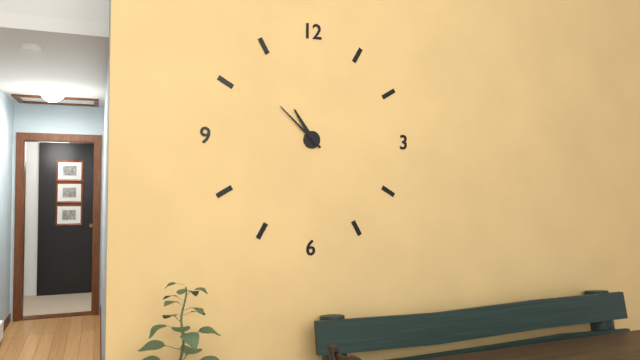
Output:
10:52
